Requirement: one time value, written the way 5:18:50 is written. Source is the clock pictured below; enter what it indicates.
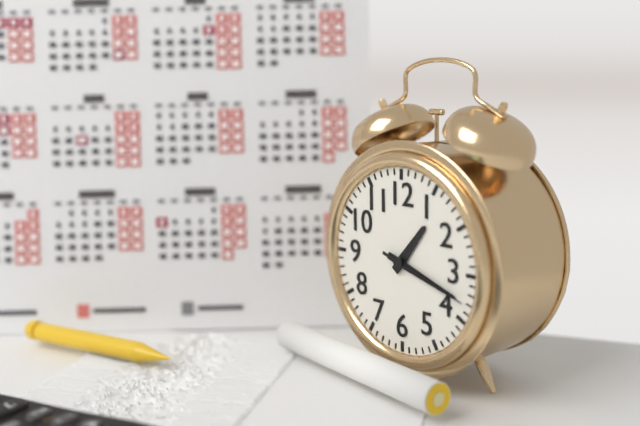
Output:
1:18:18
